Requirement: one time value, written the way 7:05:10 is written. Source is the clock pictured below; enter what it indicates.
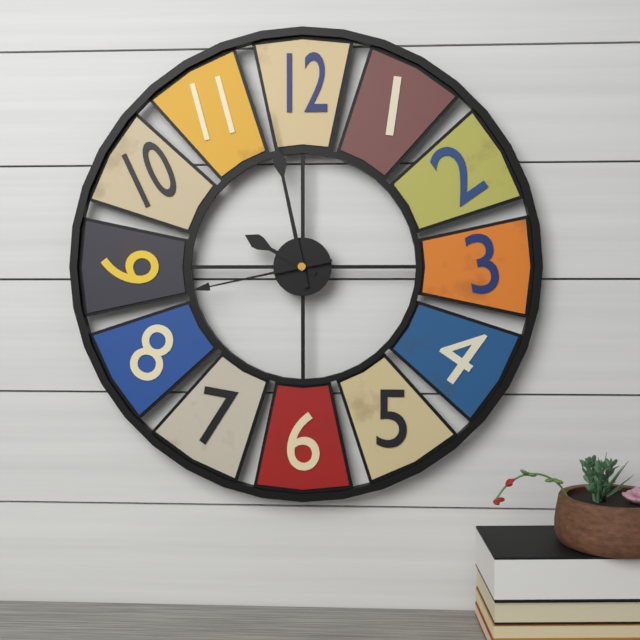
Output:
9:58:43
